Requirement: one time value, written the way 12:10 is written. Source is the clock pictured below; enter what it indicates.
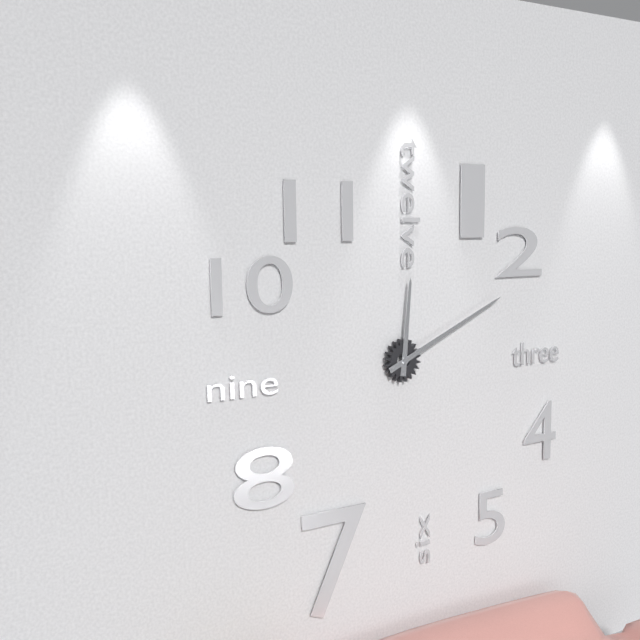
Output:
12:11
